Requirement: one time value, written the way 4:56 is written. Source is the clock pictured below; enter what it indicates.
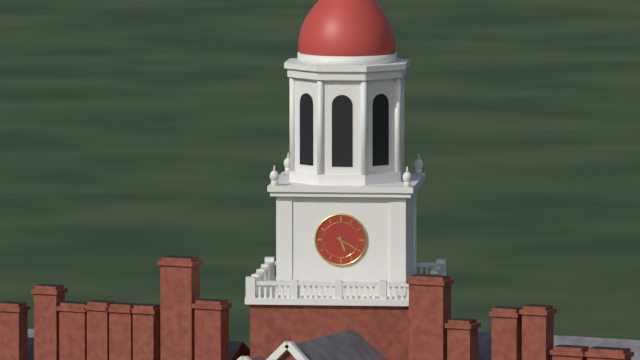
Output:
5:20
